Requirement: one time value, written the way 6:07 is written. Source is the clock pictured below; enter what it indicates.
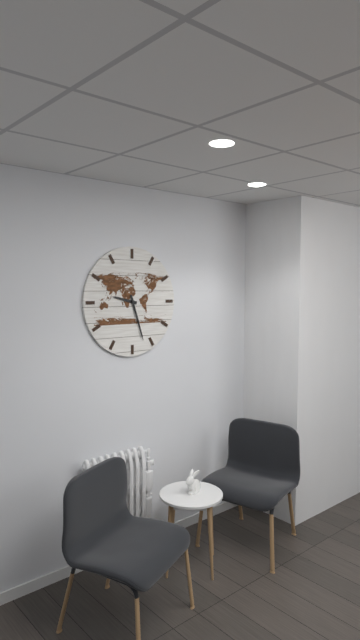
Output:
9:27
